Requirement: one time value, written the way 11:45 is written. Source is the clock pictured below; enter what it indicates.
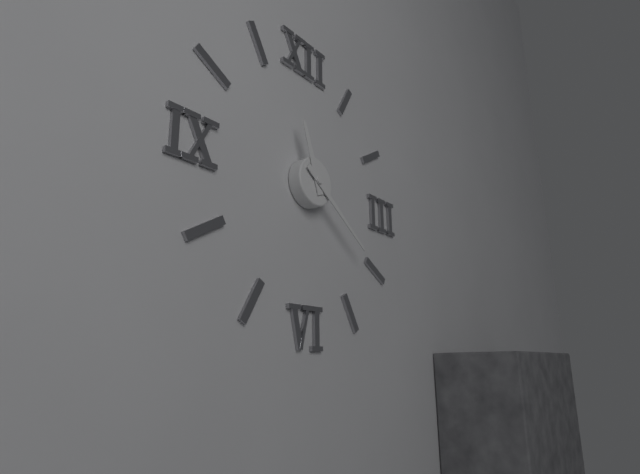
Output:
11:21
